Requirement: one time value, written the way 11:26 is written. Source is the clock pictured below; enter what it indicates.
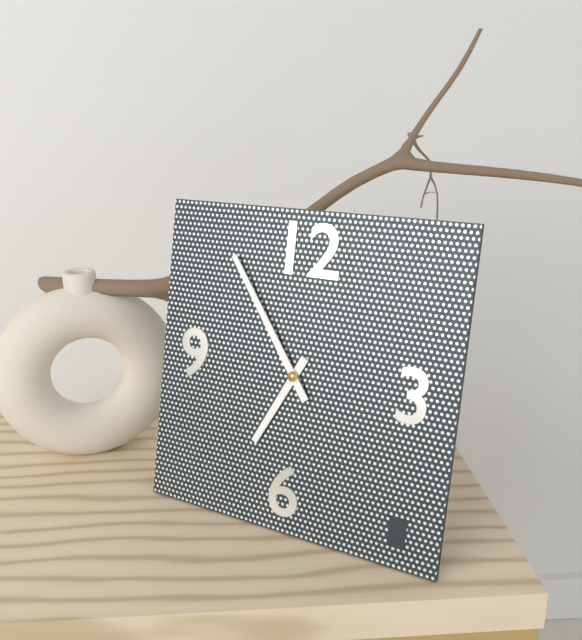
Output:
6:54
